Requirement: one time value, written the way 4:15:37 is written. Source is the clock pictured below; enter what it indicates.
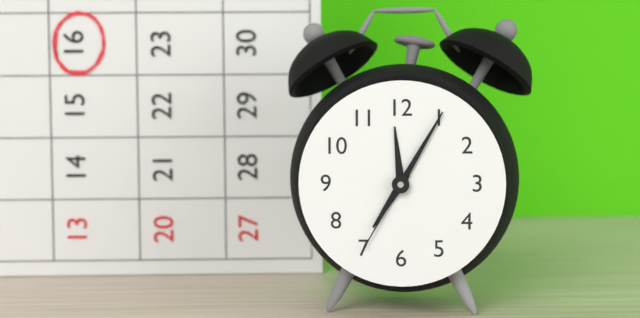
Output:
7:05:35
